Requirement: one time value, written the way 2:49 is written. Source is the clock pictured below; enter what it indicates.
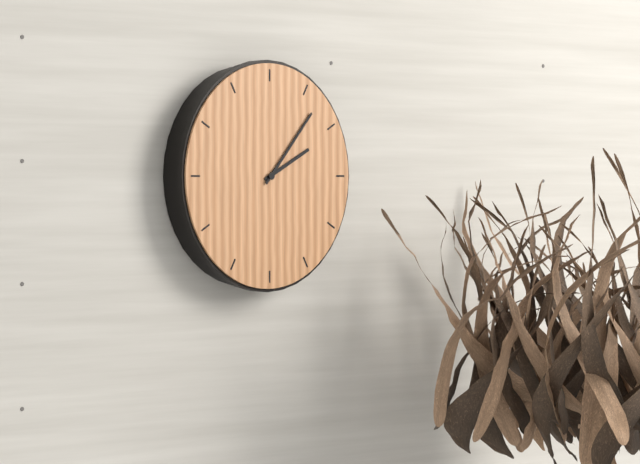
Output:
2:07
